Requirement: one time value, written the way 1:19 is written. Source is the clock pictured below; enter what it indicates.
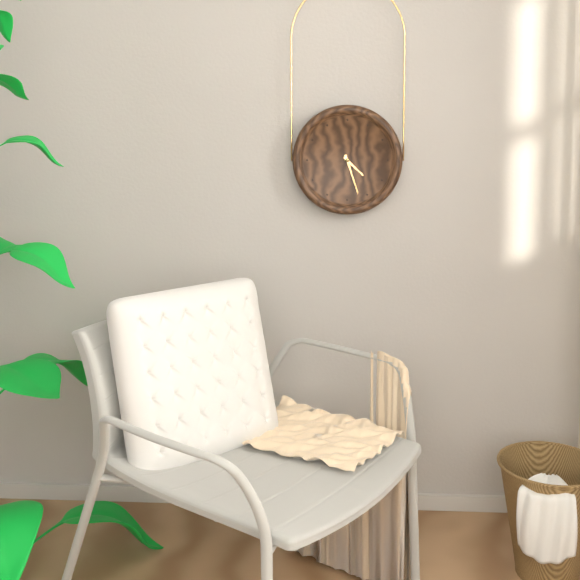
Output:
4:27
